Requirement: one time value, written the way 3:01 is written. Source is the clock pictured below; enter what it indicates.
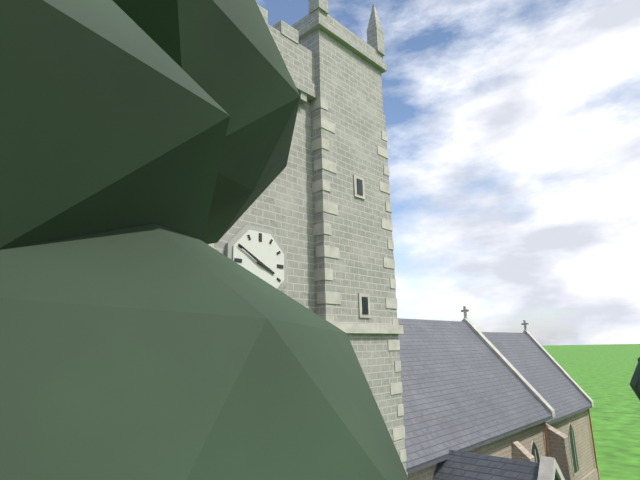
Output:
3:50
